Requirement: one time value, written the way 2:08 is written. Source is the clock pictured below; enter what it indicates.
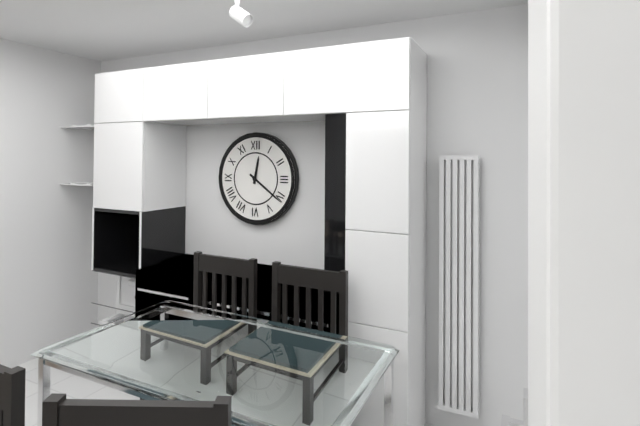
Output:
12:21
